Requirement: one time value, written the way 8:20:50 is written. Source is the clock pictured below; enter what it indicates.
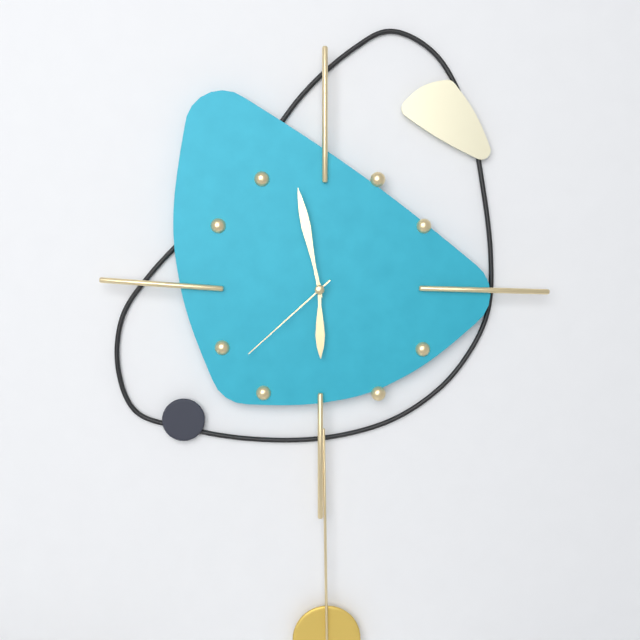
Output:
5:58:38
